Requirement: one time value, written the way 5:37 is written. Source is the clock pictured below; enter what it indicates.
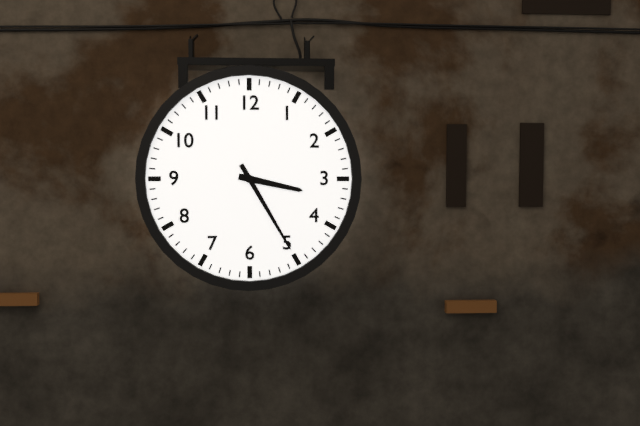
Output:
3:25
